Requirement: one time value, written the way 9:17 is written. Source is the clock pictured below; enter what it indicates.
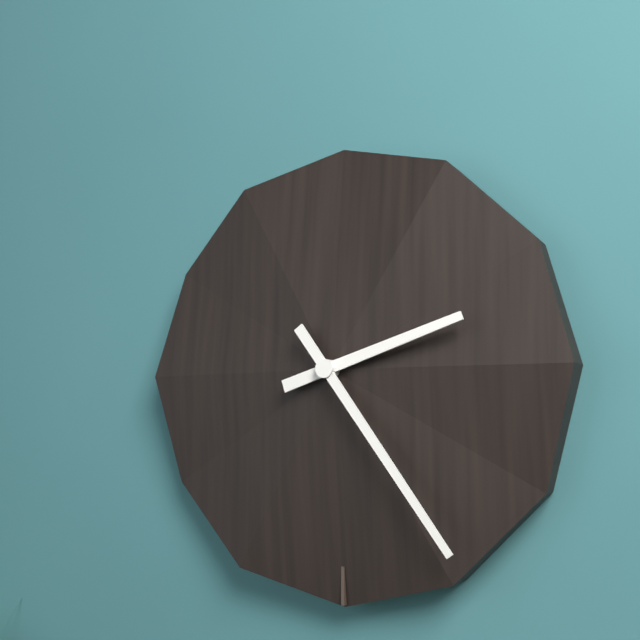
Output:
2:24
